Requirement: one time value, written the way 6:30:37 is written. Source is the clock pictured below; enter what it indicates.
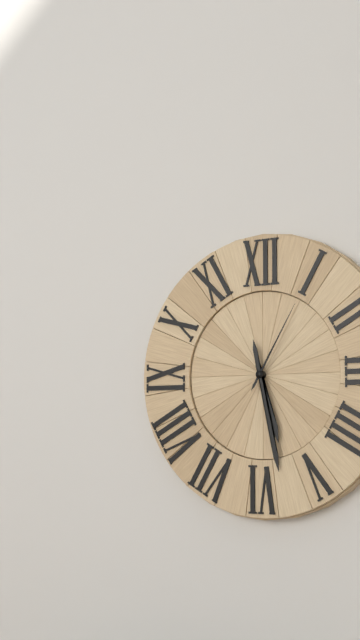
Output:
5:28:05
